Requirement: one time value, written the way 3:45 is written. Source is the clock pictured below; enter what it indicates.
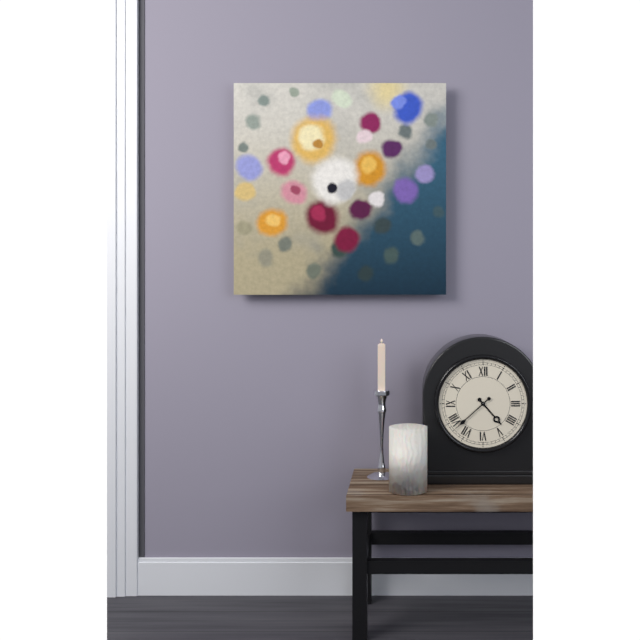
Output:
4:38
